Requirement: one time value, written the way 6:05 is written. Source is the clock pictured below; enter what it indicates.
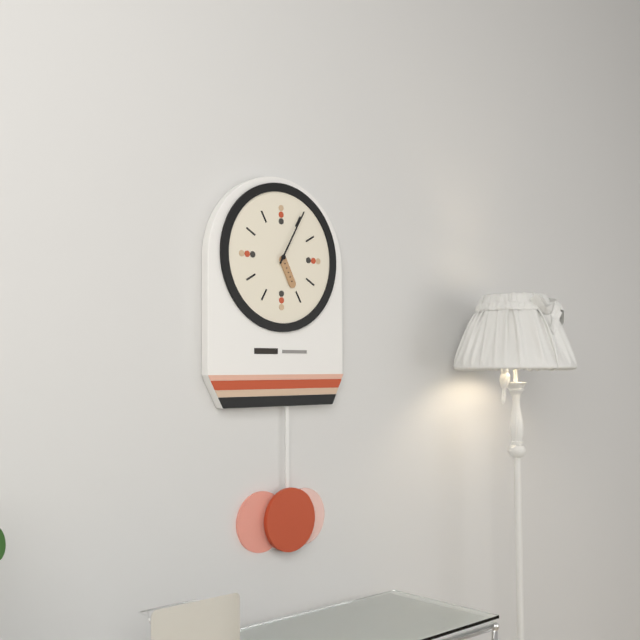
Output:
5:05
